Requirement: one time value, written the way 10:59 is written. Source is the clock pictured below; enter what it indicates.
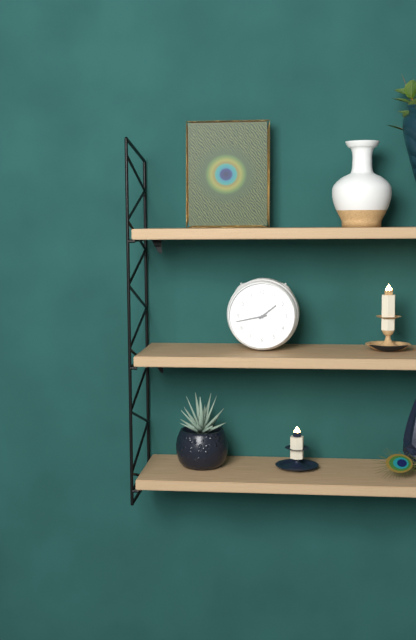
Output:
1:43
